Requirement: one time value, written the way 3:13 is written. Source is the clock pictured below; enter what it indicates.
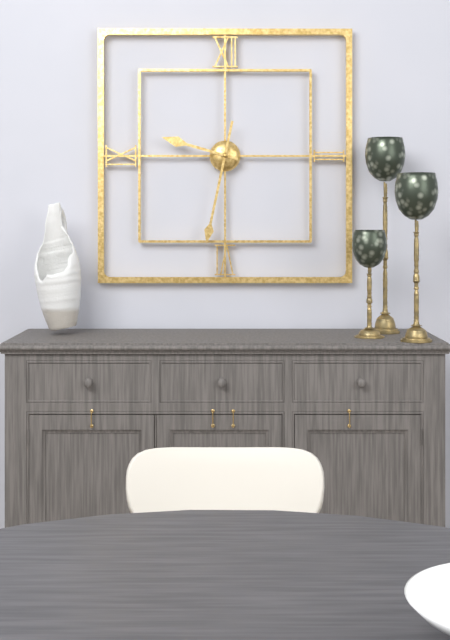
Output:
9:32
